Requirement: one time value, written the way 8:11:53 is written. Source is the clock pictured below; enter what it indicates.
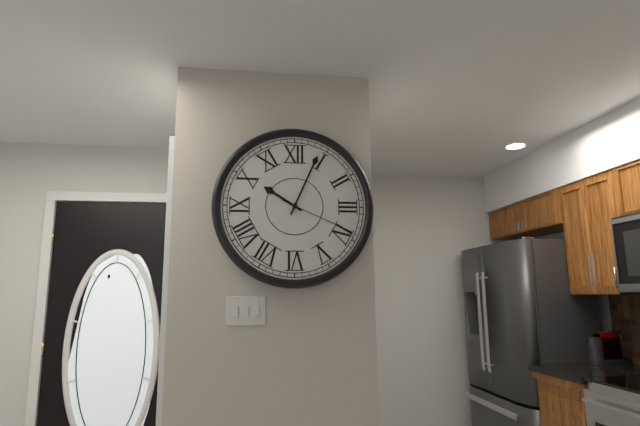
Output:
10:04:19
